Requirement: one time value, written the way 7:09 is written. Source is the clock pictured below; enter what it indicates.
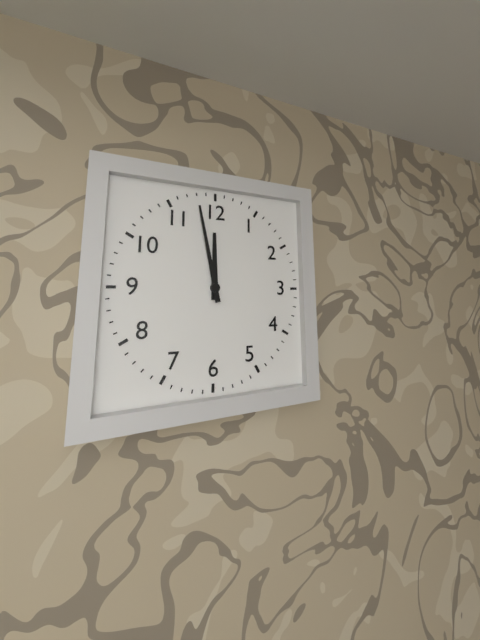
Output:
11:58
